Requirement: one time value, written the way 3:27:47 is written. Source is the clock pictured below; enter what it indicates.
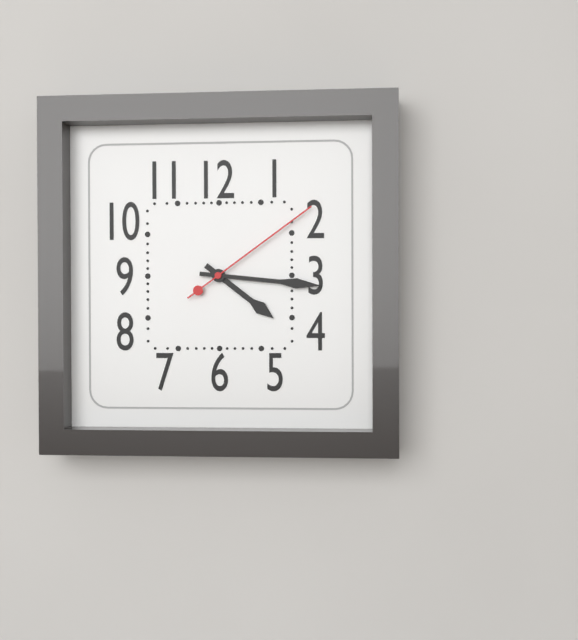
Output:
4:16:09
